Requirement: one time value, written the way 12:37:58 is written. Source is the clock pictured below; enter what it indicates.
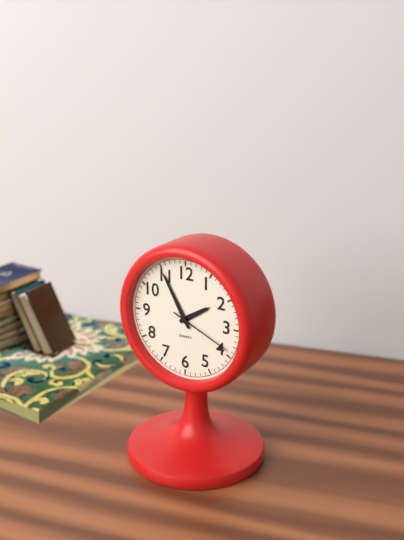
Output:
1:55:19
